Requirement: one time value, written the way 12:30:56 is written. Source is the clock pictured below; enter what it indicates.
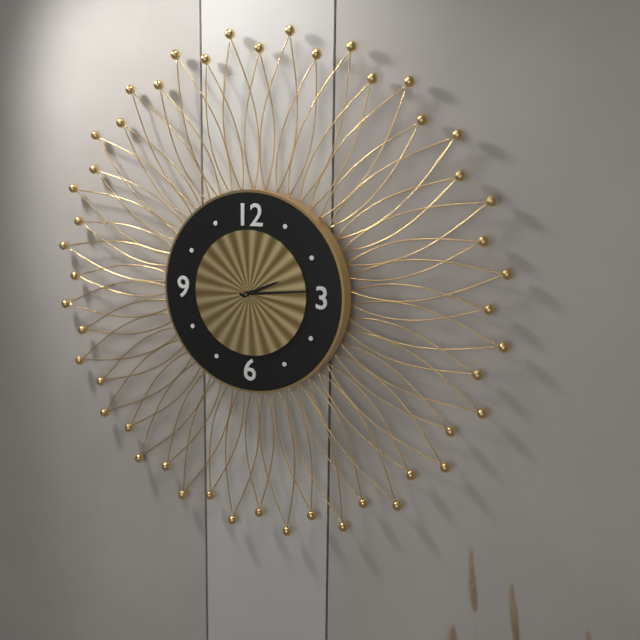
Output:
2:14:17
